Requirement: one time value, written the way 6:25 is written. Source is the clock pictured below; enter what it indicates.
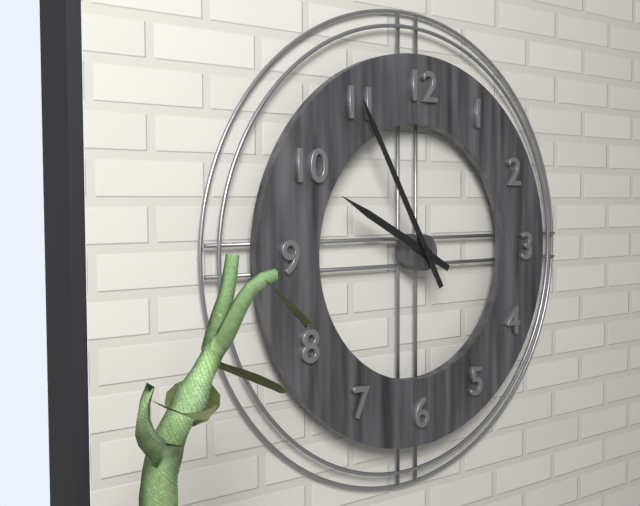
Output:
9:55
